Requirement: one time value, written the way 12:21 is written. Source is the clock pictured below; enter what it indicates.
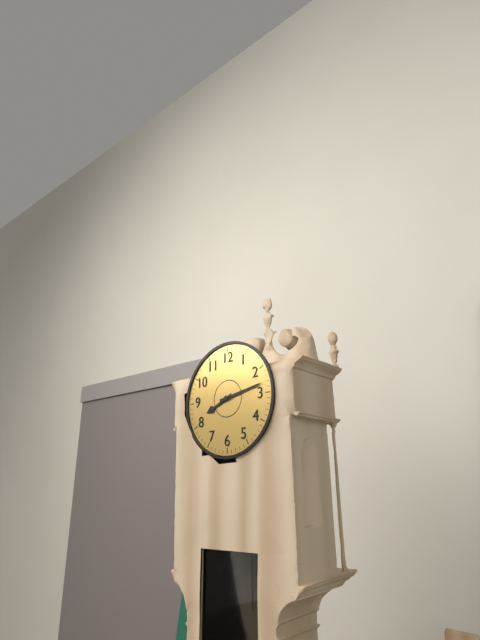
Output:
8:13
